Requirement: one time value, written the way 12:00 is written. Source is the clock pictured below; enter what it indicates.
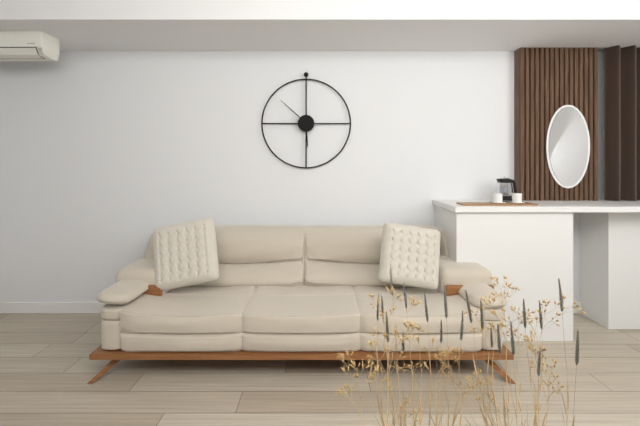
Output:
5:52
